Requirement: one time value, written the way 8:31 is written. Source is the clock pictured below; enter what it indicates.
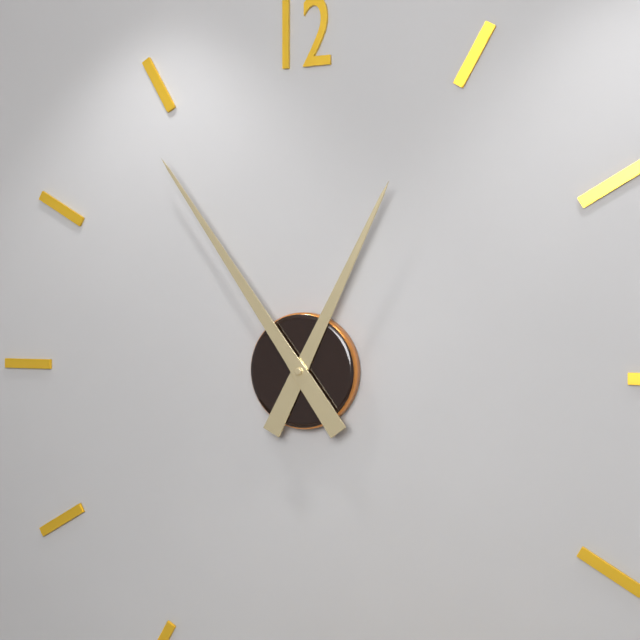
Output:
12:54
